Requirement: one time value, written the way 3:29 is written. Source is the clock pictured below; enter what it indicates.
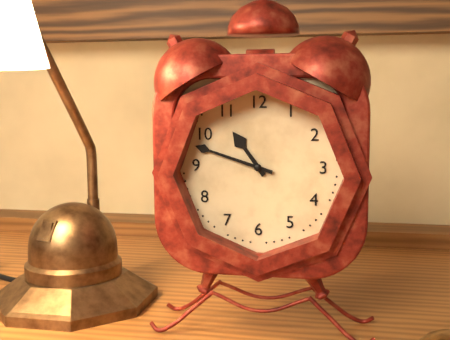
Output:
10:48
